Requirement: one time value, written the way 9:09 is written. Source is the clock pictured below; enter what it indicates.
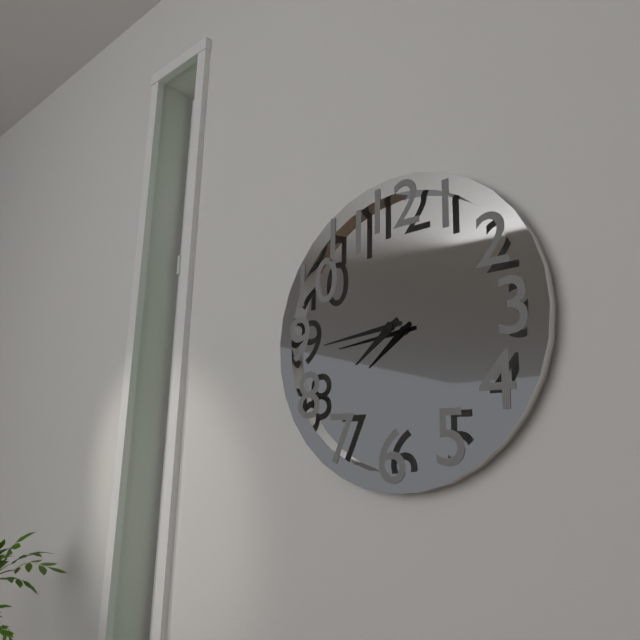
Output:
7:44
